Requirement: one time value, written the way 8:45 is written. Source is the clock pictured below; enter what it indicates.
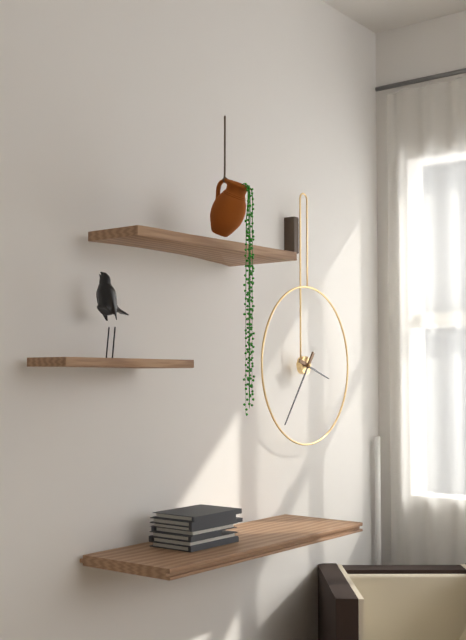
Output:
3:36
